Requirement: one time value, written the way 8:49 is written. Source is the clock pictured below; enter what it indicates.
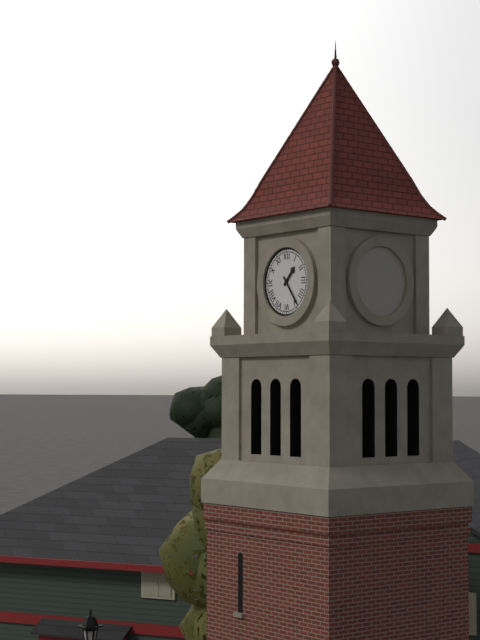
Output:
1:24
